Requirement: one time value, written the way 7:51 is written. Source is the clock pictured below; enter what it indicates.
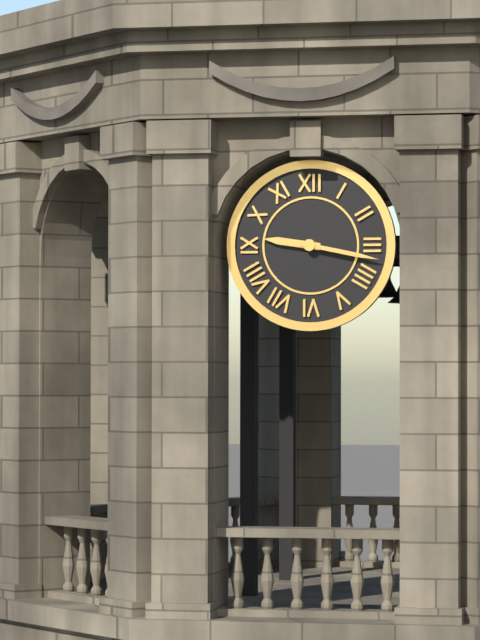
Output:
9:17
